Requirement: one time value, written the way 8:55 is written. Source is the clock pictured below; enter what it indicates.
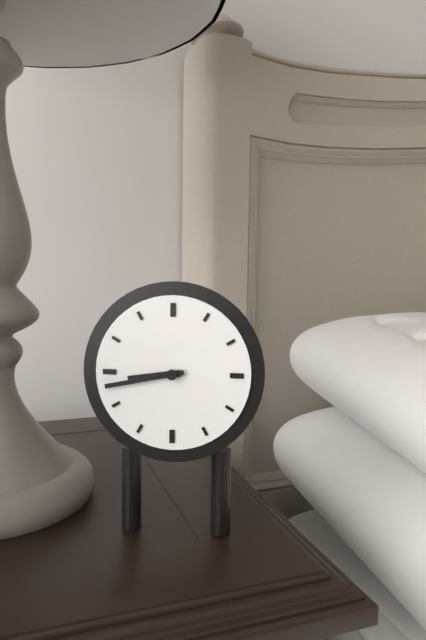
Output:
8:43
